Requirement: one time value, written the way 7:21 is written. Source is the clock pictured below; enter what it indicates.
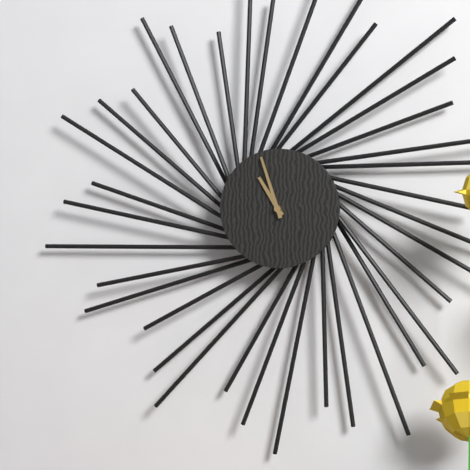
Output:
10:57
